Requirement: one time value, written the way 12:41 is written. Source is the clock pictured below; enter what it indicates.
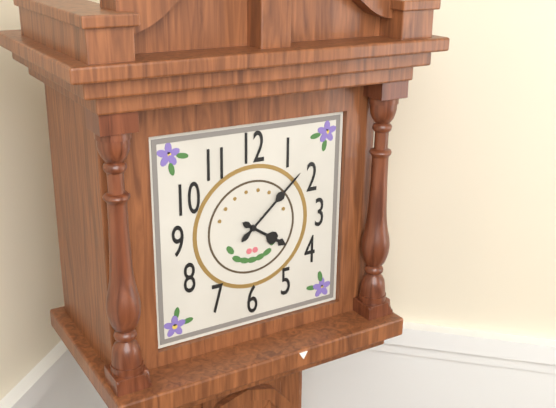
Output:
4:08
